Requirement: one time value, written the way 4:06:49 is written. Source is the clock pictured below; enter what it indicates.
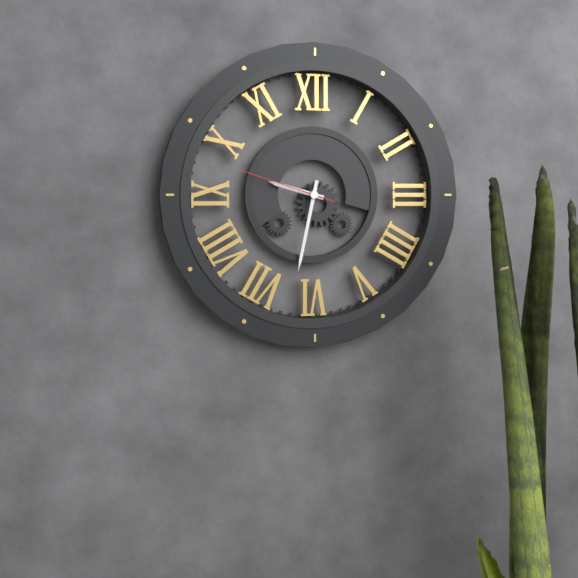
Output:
9:32:48
